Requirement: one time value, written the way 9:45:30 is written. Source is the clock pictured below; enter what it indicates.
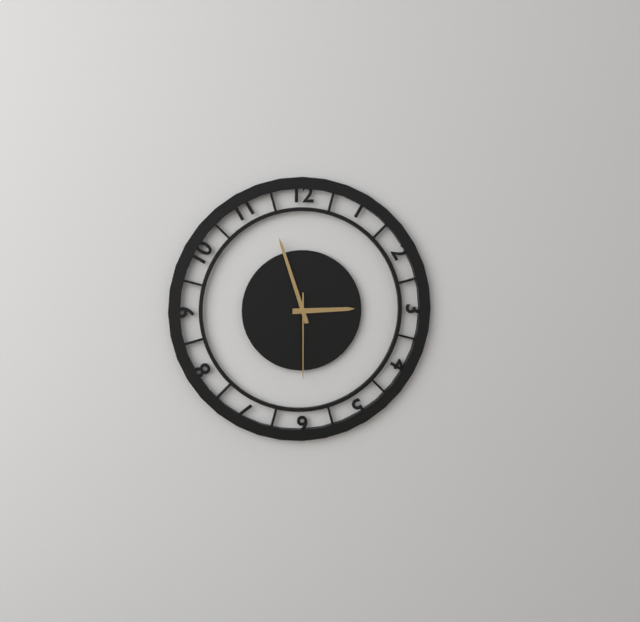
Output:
2:57:30
